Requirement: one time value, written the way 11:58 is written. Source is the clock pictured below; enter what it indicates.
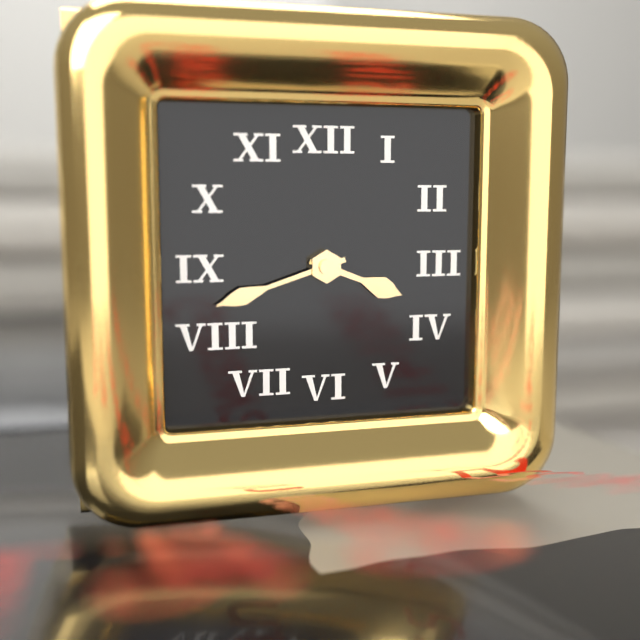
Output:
3:42
